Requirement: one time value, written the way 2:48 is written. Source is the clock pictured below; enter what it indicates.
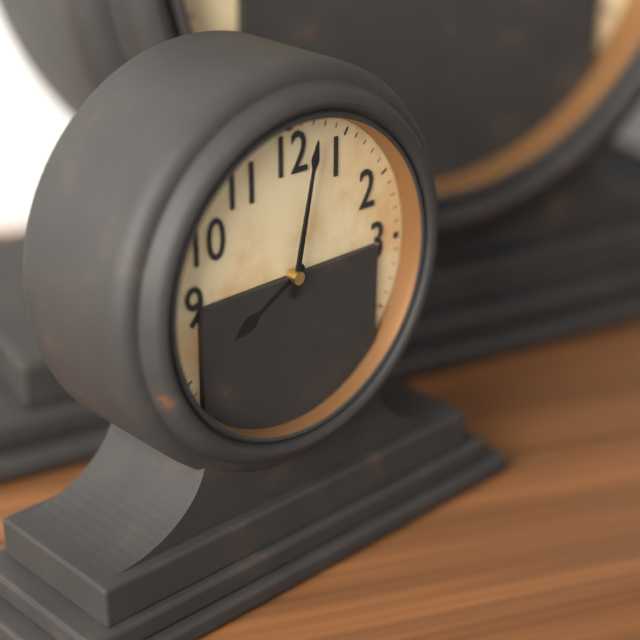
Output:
8:02
